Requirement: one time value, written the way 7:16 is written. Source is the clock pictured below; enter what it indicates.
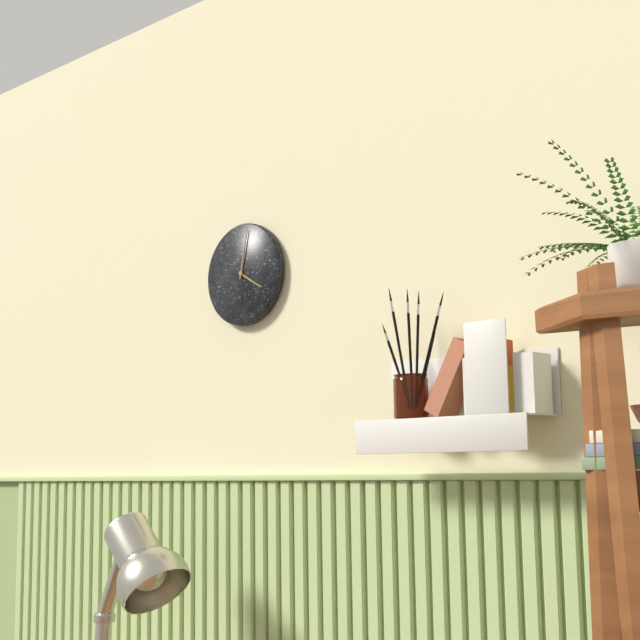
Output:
4:02
